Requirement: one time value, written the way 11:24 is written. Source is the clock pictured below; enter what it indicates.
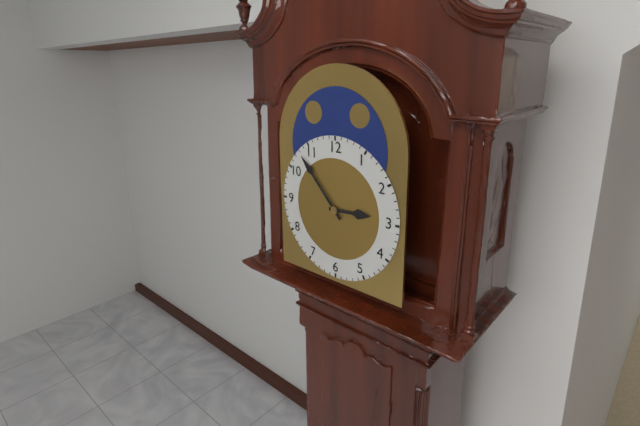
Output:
2:53
